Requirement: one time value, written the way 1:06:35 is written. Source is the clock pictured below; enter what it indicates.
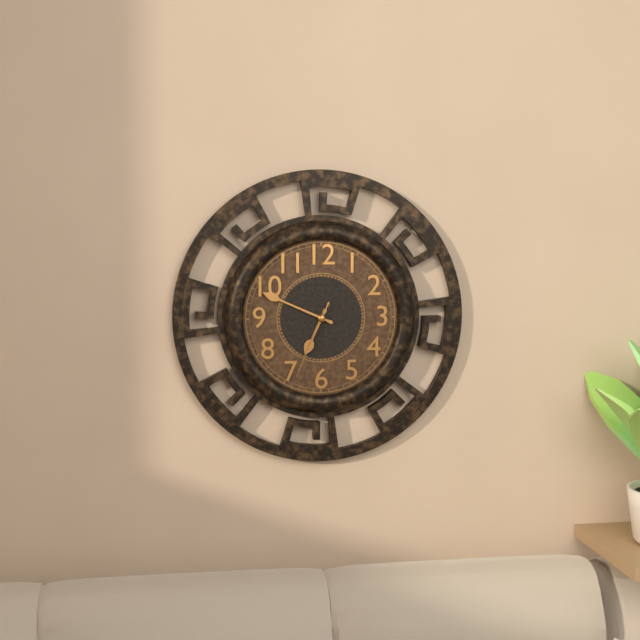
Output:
6:49:34
